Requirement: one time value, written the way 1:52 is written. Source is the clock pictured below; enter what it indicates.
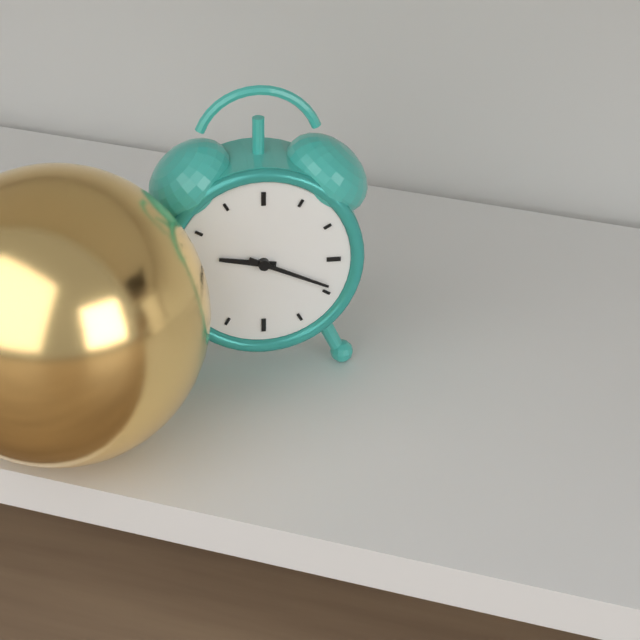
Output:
9:19
